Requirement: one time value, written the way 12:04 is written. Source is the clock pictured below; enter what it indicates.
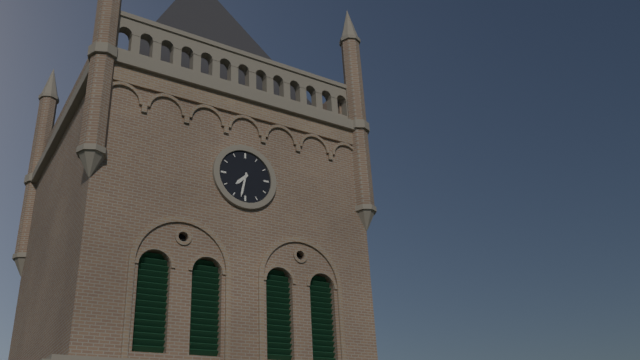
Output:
7:32
